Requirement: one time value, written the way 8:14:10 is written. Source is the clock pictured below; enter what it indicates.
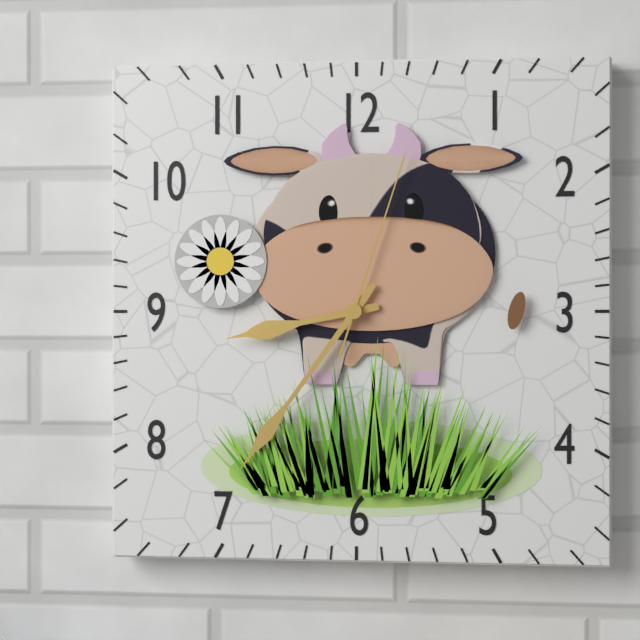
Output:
8:36:03
